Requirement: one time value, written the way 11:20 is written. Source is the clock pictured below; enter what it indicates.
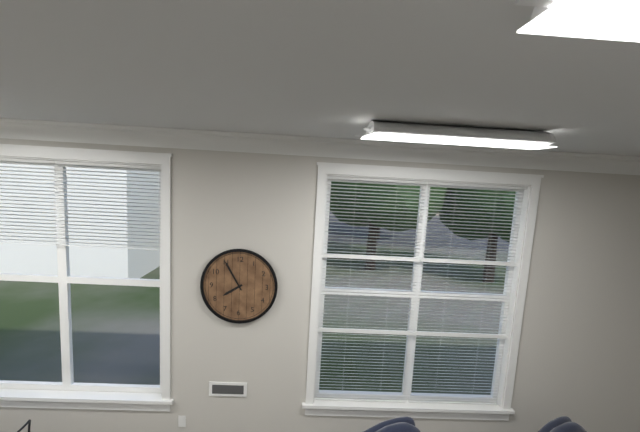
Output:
7:55
